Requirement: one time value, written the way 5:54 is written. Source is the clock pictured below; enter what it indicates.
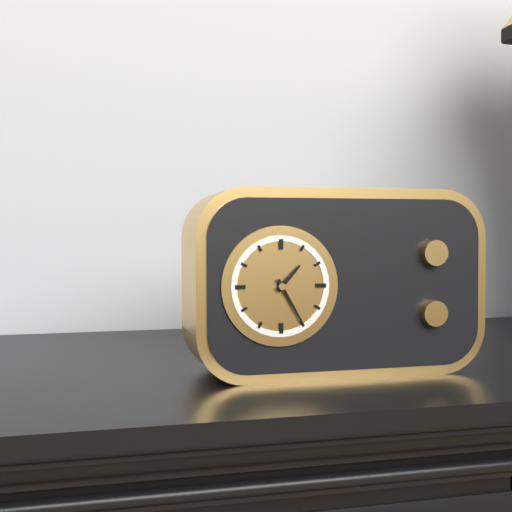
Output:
1:25
